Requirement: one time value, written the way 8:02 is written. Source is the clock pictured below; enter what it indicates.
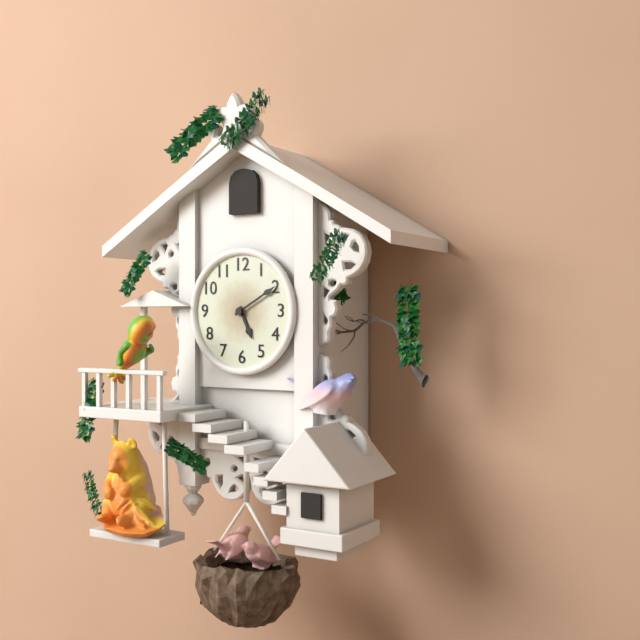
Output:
5:10
